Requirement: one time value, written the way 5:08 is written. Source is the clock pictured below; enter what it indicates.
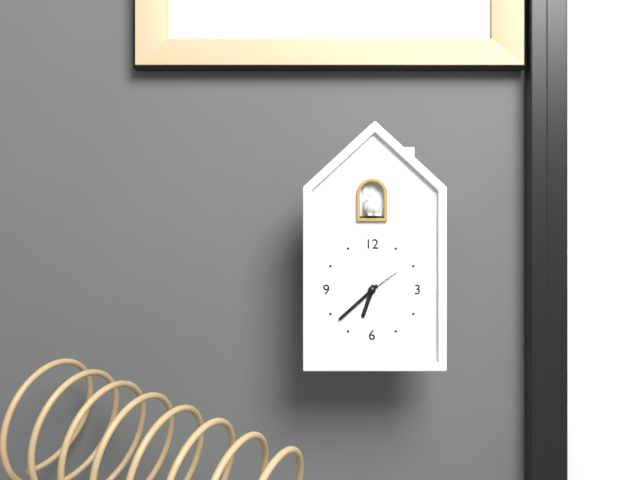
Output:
6:38
